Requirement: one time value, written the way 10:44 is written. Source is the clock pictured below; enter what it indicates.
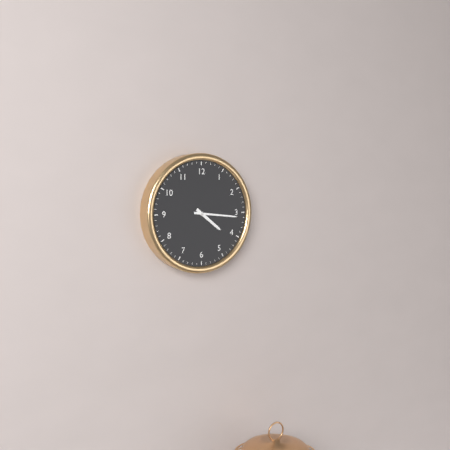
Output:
4:16
